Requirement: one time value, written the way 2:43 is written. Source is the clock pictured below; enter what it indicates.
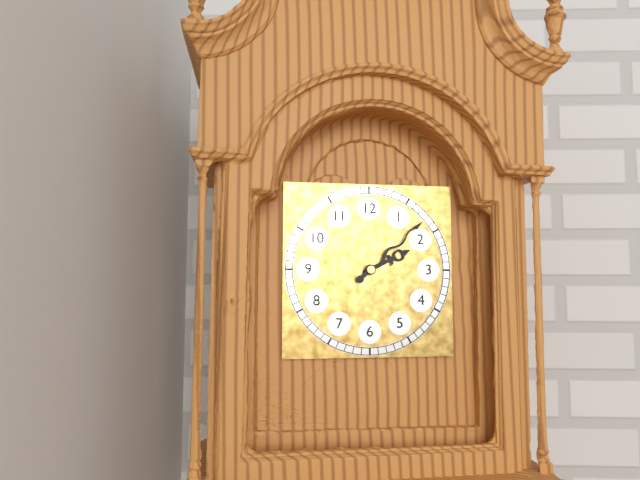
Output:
2:08
